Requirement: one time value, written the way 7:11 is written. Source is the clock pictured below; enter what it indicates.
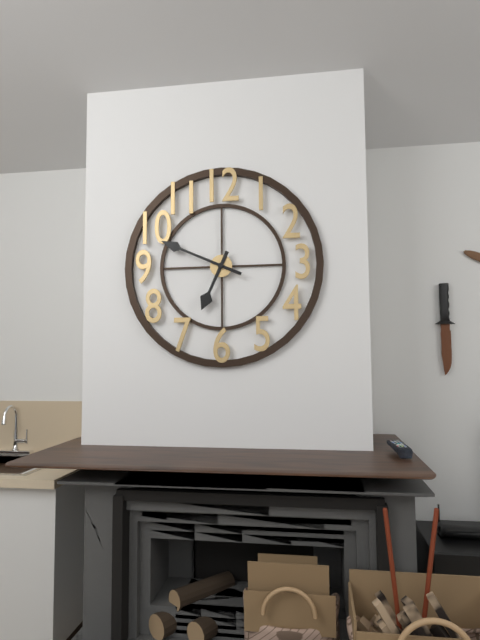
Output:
6:49
